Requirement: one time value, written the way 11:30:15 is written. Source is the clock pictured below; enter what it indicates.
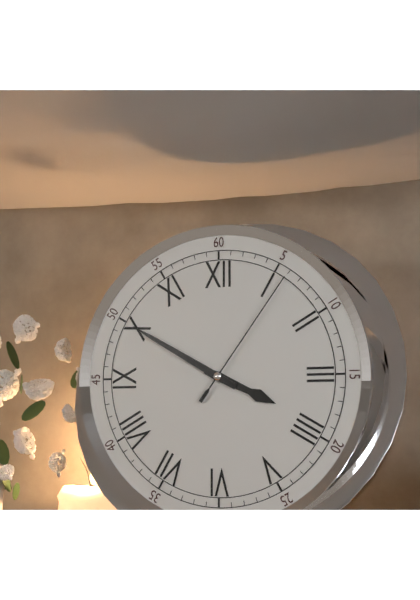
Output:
3:50:06
